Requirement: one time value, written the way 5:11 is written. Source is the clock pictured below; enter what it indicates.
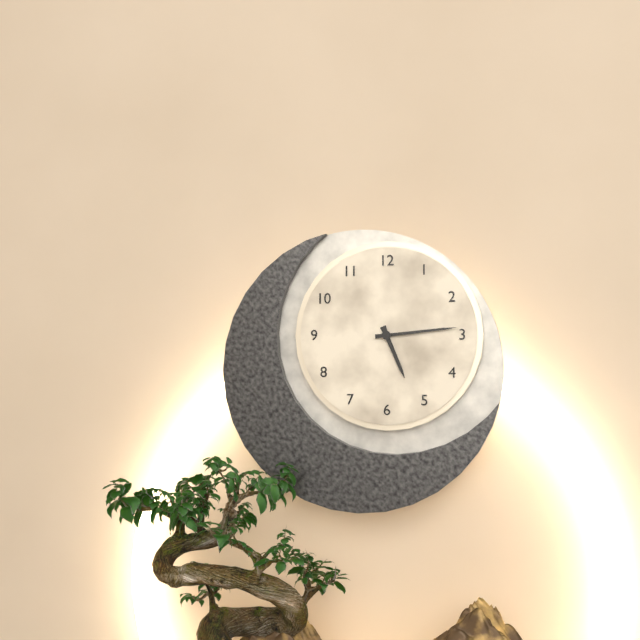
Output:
5:14
